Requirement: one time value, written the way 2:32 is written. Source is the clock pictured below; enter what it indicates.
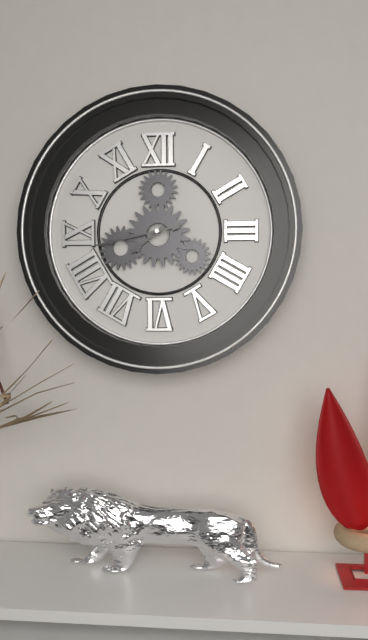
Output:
7:43
